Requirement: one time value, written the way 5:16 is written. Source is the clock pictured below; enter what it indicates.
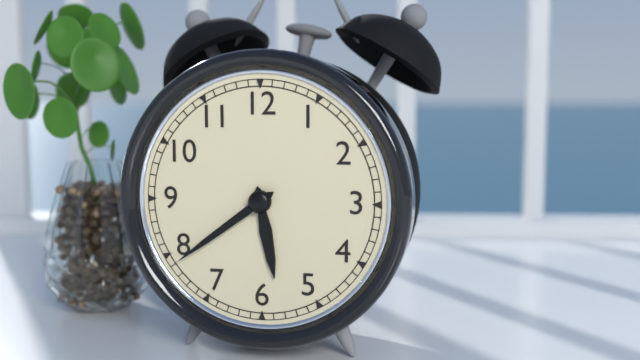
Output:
5:39
